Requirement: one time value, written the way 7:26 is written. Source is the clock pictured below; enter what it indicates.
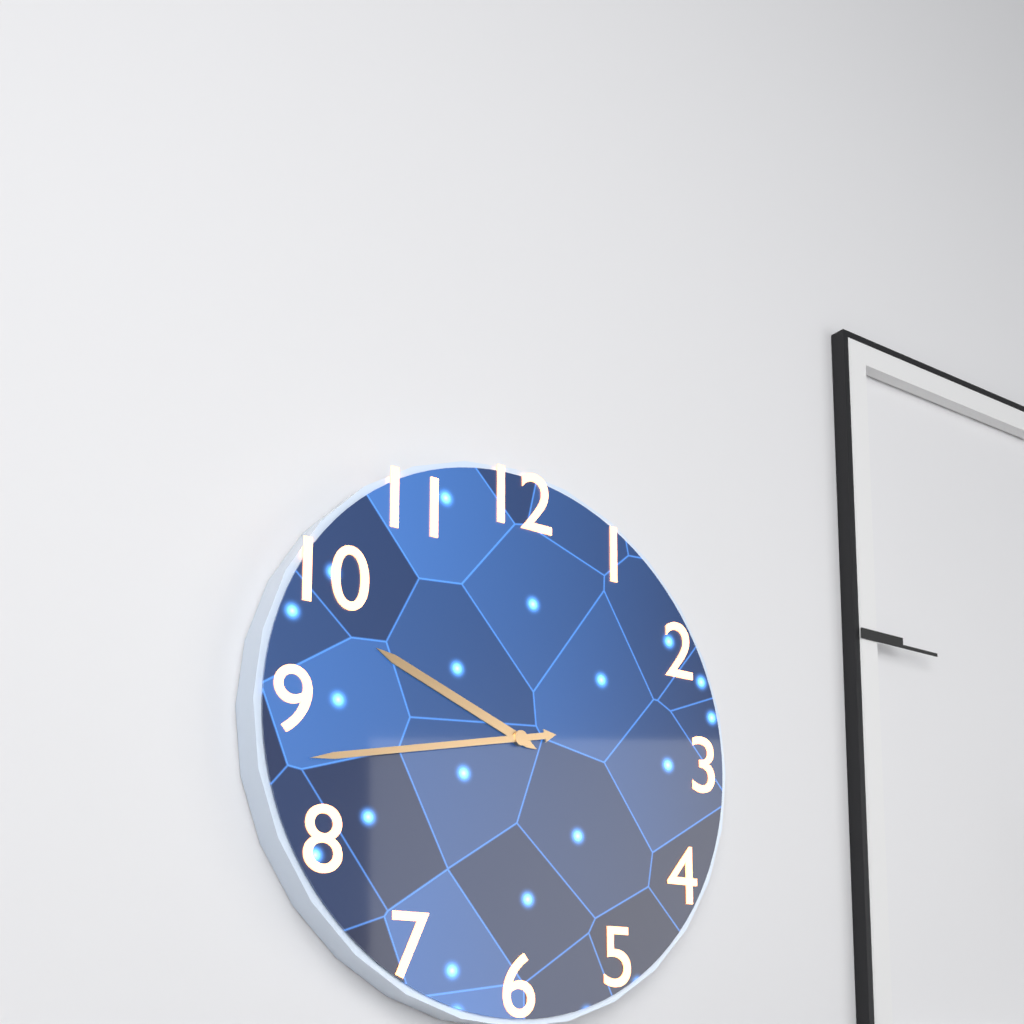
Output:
9:43
